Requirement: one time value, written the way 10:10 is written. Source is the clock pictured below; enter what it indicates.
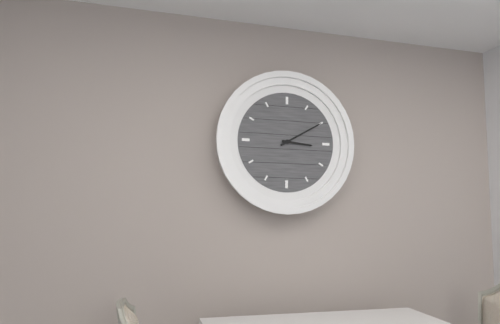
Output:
3:10
